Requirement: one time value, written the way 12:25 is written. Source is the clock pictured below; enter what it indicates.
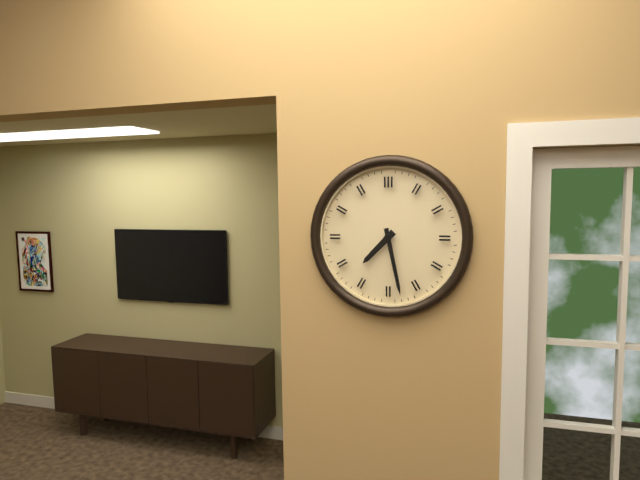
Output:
7:28
